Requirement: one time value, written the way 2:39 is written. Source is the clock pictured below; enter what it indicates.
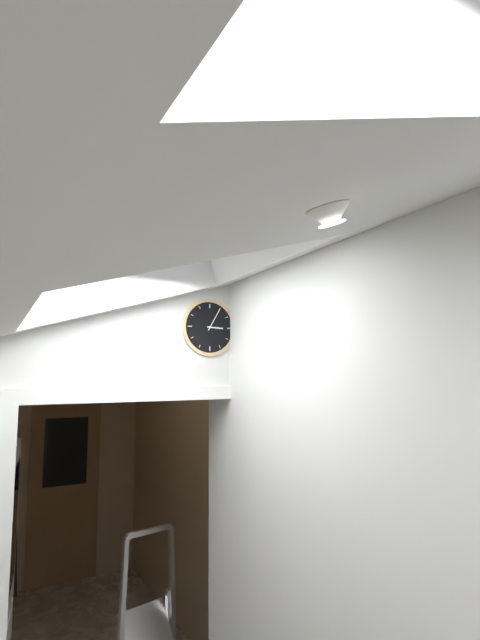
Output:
3:05
